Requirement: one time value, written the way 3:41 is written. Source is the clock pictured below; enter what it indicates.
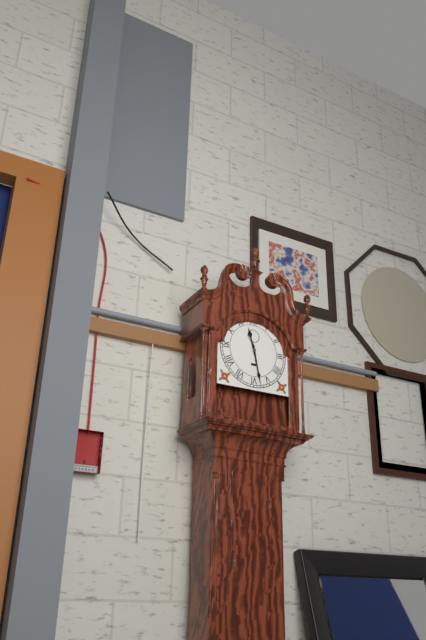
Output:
11:28
